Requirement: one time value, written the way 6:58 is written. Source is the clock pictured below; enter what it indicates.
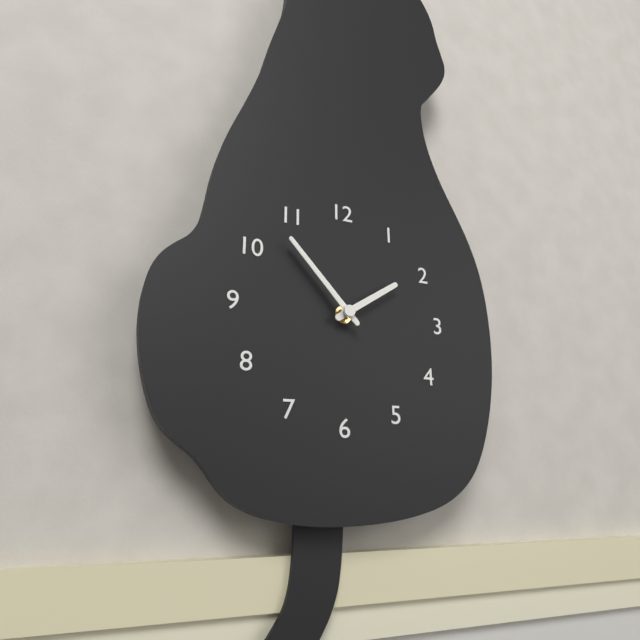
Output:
1:53
